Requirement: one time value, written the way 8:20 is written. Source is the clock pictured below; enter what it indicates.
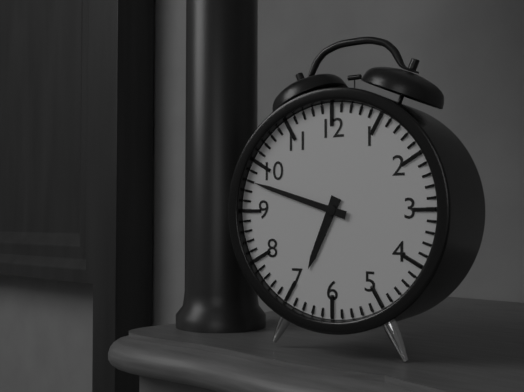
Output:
6:48
